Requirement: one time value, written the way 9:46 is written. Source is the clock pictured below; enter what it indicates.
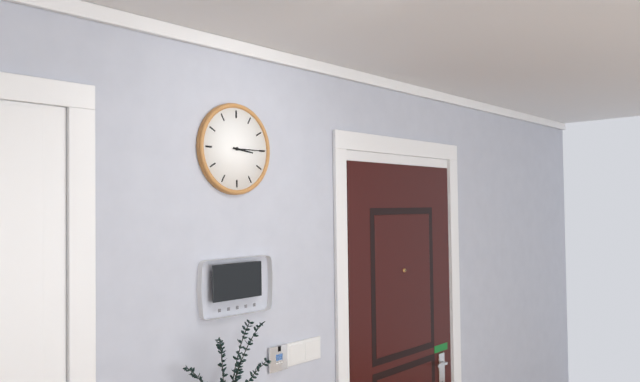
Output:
3:15
